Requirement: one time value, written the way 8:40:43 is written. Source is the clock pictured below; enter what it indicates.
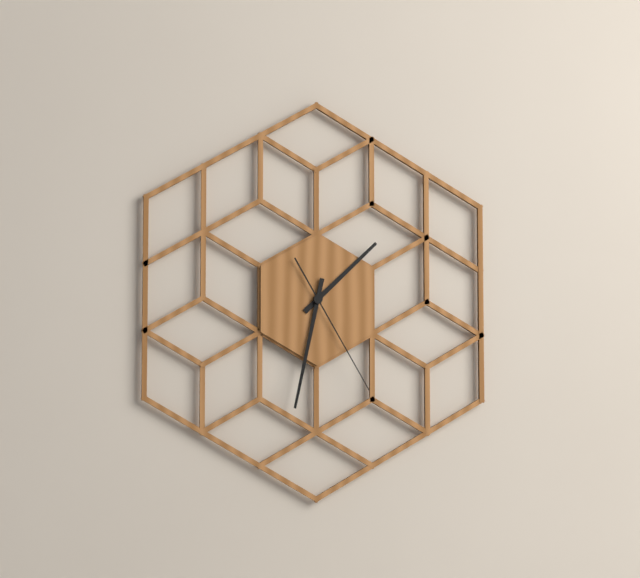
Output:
1:32:25
